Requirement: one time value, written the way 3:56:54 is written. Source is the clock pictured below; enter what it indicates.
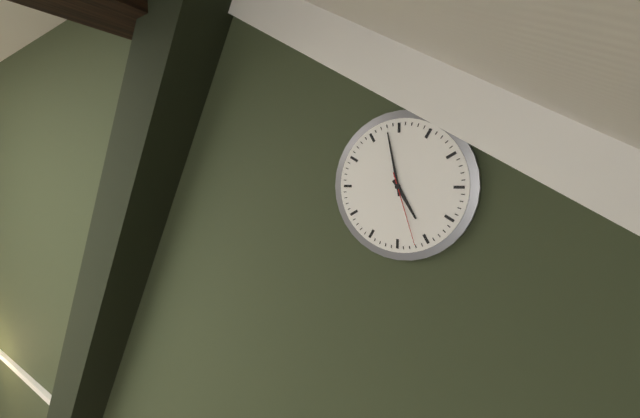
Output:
4:58:27
